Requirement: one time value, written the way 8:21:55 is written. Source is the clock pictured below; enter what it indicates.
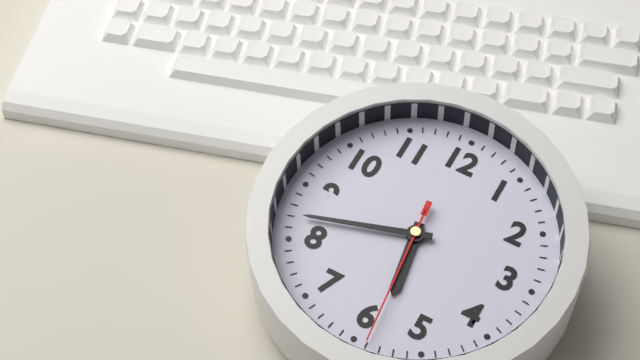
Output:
5:42:29
